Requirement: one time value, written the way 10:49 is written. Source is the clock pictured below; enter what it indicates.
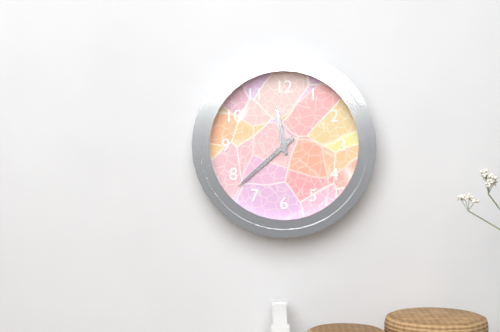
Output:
11:38
